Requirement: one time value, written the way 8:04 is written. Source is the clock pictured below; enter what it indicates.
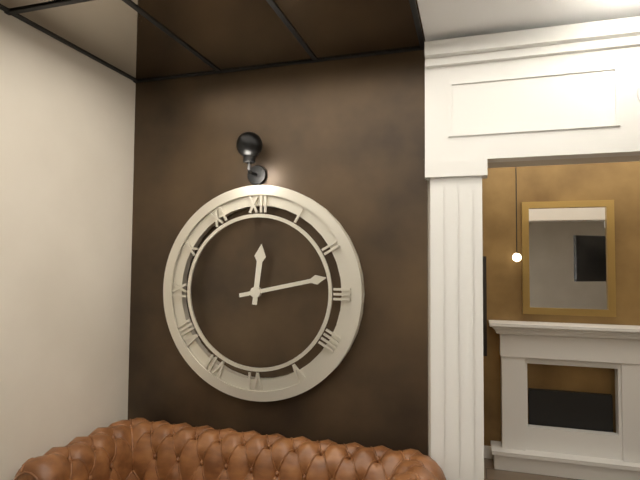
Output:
12:13
